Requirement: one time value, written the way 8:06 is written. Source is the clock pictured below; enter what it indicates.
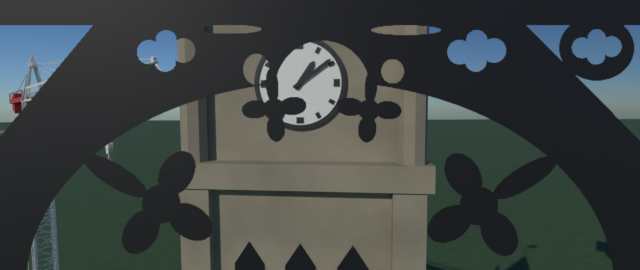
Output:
1:09
